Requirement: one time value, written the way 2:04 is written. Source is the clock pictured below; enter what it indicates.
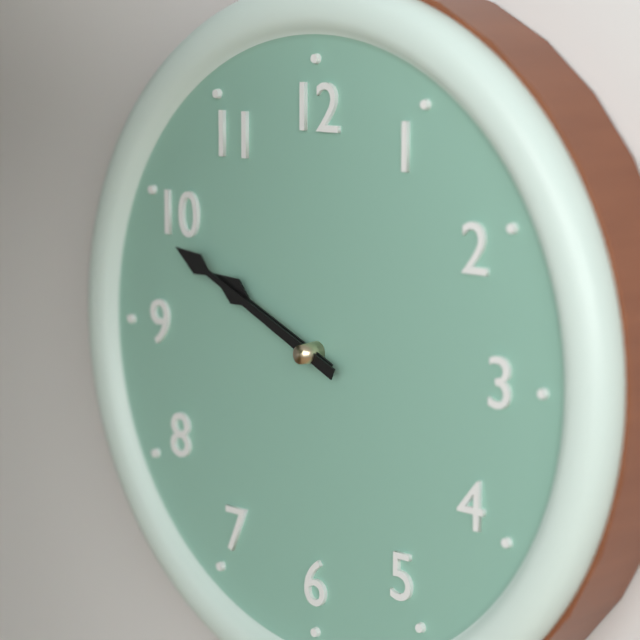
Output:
9:49
